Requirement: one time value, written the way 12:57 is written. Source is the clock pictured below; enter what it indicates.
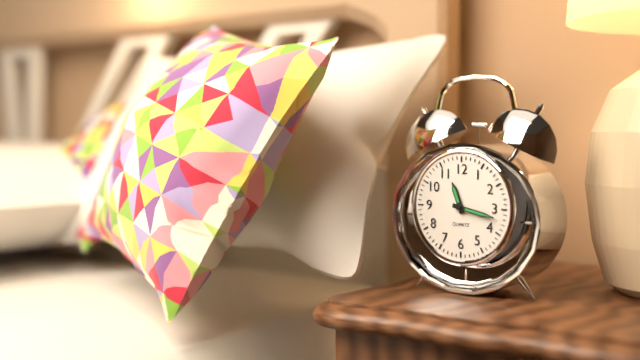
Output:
11:17
